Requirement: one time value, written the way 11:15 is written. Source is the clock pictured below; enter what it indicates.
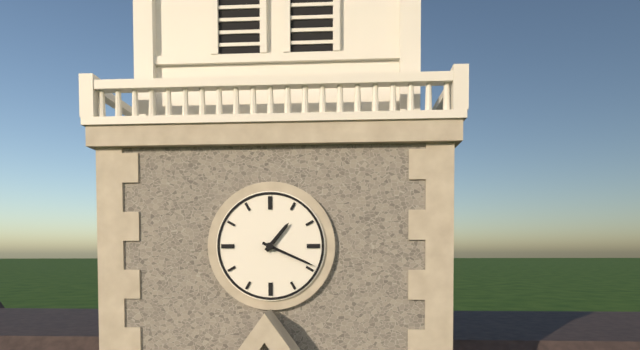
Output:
1:19
